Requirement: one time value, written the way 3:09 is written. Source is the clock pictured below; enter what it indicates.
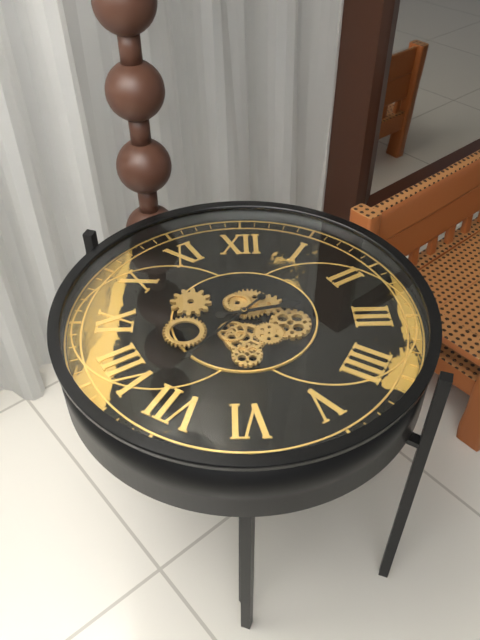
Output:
2:37
